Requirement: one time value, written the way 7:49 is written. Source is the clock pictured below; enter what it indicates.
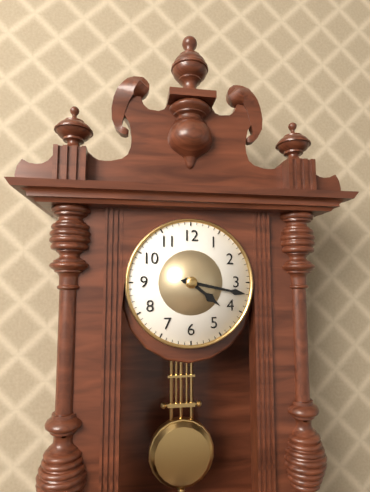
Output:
4:17
